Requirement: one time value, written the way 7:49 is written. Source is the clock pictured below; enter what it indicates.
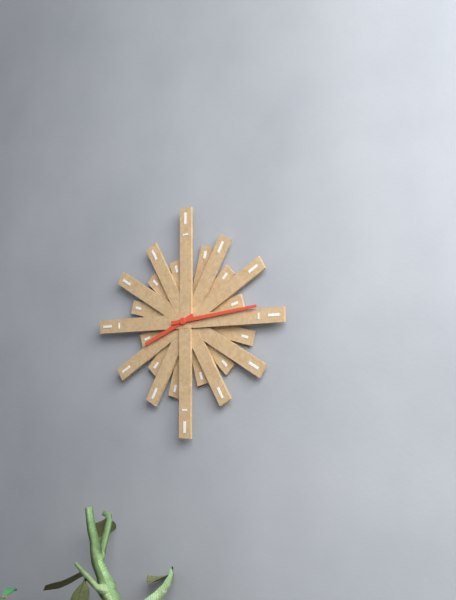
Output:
8:14
